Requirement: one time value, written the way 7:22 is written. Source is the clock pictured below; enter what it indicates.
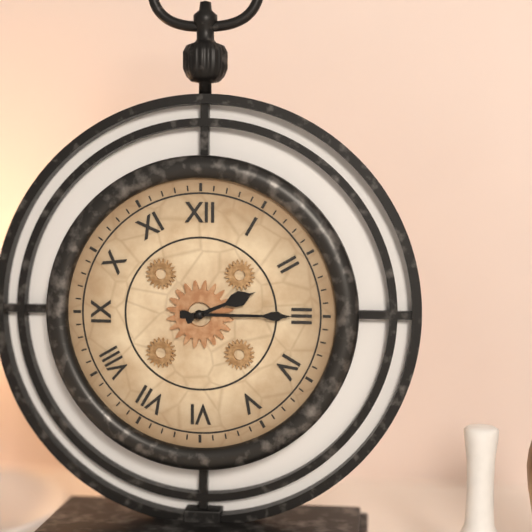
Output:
2:15
